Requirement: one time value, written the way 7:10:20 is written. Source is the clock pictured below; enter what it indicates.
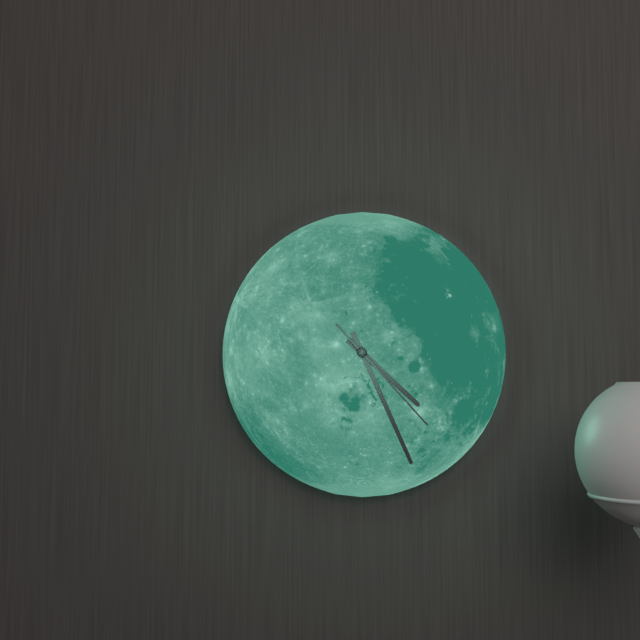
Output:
4:26:23
